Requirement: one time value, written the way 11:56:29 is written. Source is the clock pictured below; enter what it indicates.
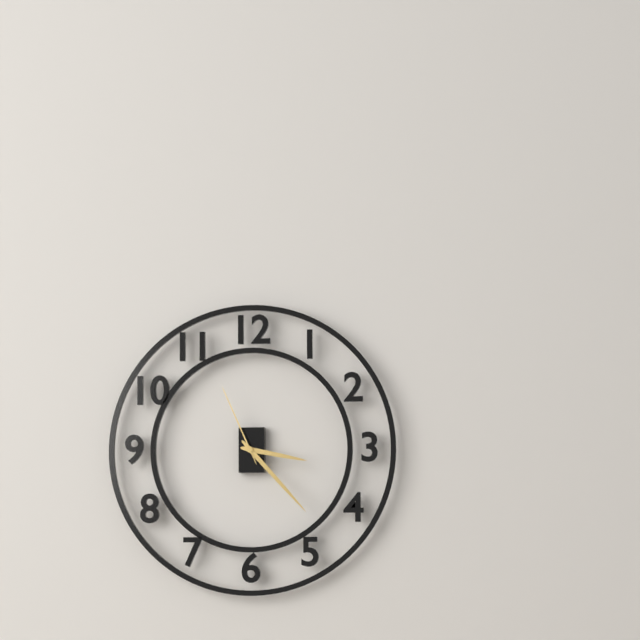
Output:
3:23:56
